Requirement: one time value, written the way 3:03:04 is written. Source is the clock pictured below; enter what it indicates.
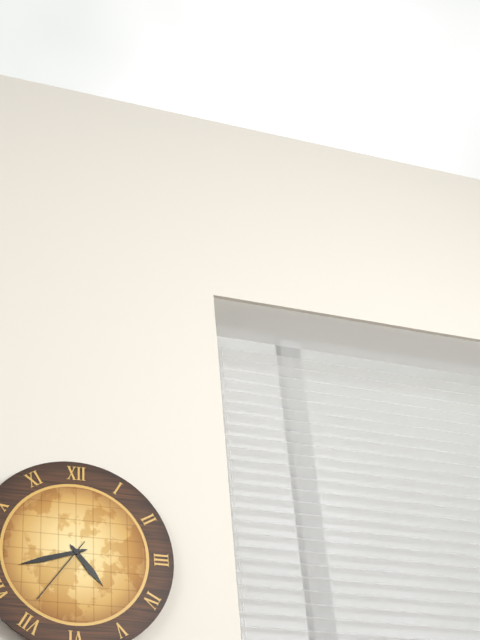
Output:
4:42:36
